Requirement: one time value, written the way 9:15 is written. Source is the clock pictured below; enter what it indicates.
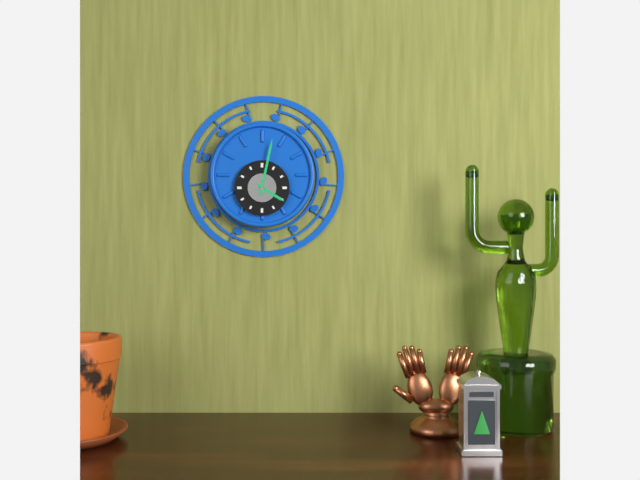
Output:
4:02
